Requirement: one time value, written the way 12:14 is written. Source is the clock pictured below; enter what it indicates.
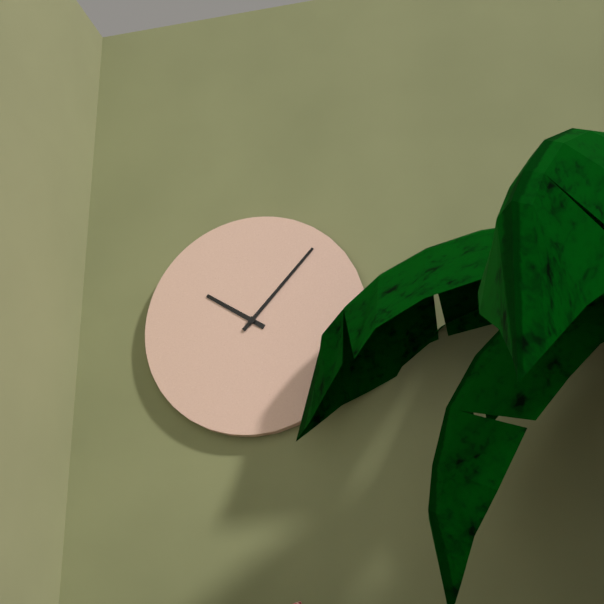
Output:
10:07
